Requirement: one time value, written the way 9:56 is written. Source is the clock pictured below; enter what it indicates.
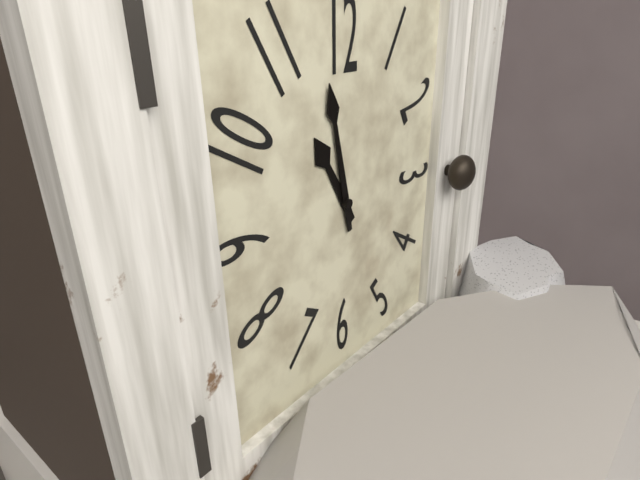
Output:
10:58
